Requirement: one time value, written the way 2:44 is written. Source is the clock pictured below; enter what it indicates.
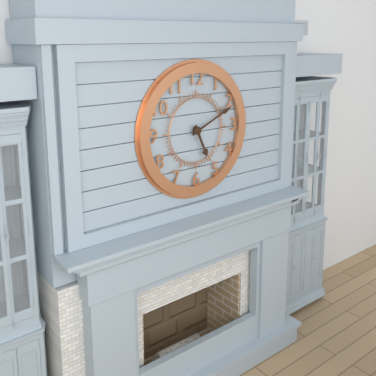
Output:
5:11
